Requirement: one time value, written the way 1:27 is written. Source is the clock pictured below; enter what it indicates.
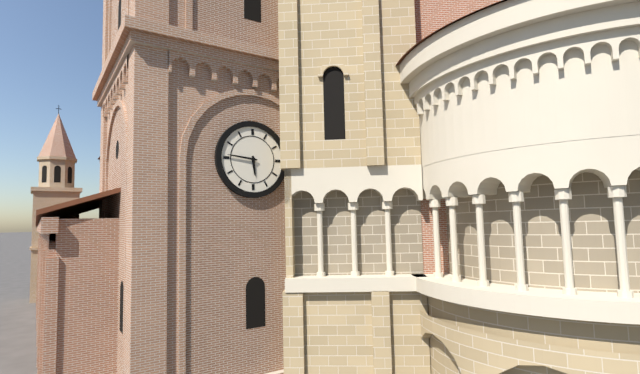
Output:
5:46
